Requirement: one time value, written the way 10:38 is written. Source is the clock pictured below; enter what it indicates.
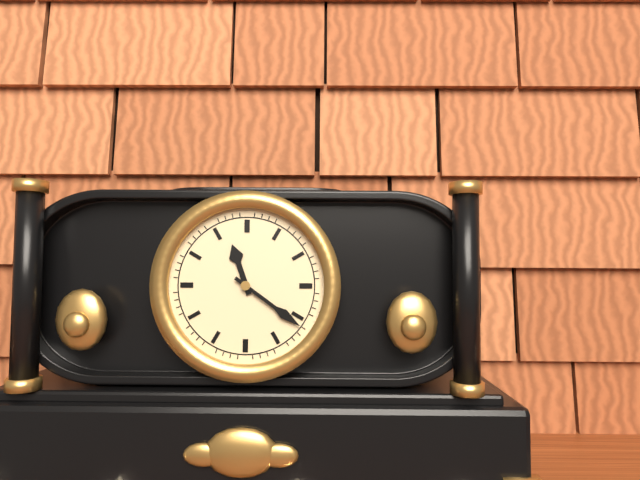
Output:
11:21
